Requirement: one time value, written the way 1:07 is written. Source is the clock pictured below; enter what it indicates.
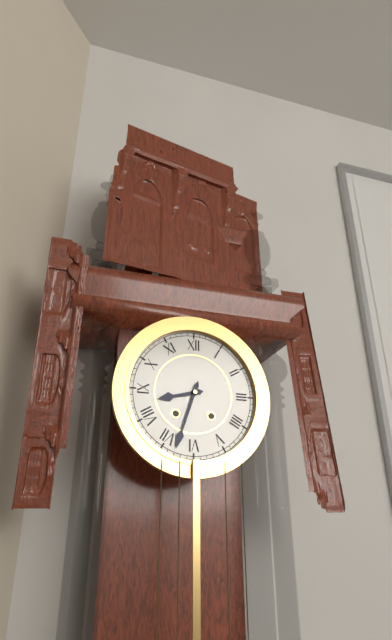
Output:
8:33
